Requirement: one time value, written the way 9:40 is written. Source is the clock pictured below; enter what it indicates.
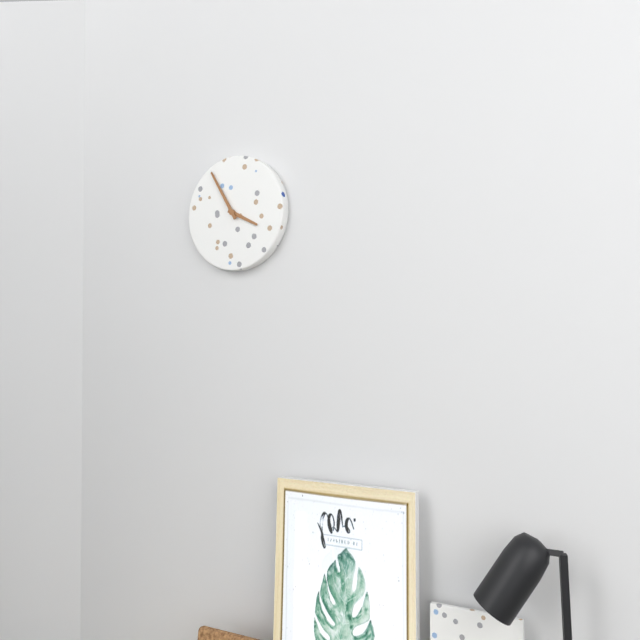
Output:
3:55
